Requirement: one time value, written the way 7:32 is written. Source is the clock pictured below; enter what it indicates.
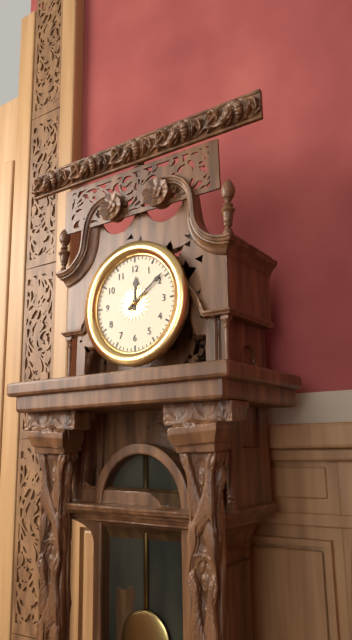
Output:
12:09
